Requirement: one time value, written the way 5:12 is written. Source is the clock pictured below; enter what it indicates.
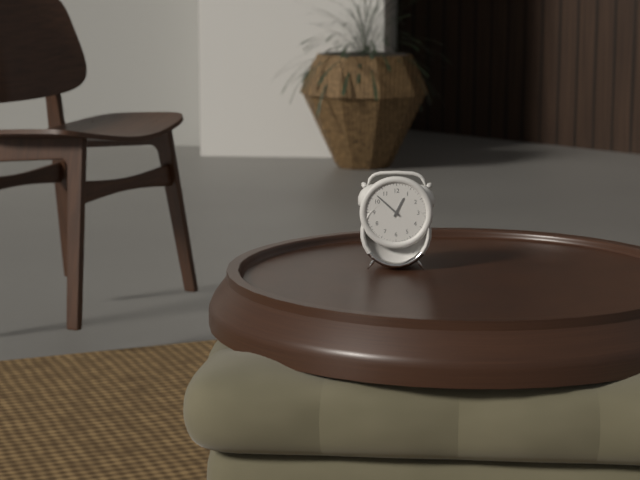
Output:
12:52
